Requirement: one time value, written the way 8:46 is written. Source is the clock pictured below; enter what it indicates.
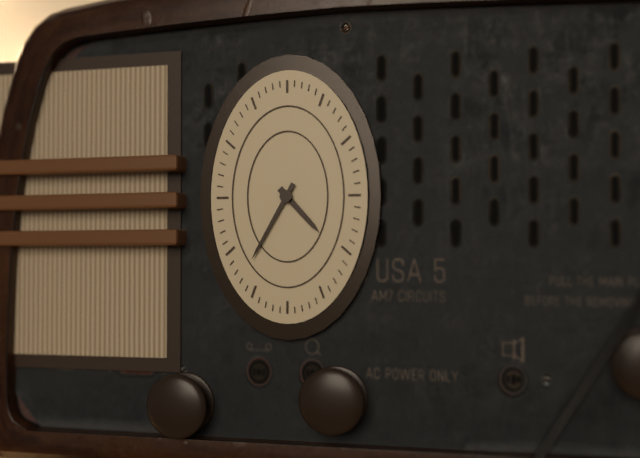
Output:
4:35
